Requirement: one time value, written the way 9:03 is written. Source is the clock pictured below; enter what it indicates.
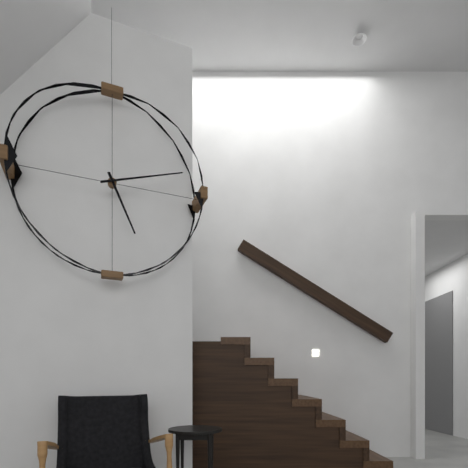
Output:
5:12
